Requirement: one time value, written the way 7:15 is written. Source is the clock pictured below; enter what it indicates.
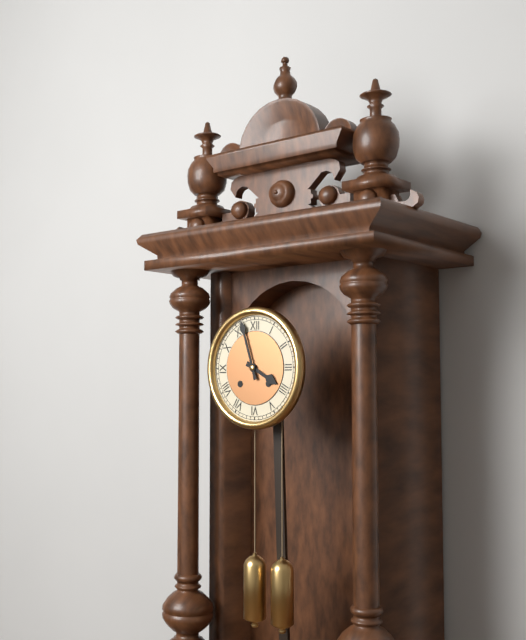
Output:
3:57
